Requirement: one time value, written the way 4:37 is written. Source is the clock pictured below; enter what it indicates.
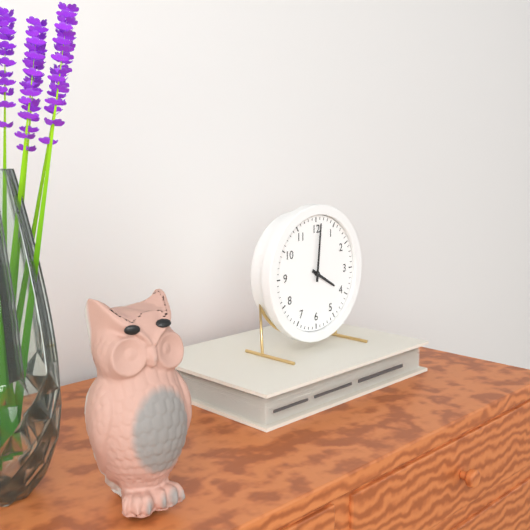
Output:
4:01
